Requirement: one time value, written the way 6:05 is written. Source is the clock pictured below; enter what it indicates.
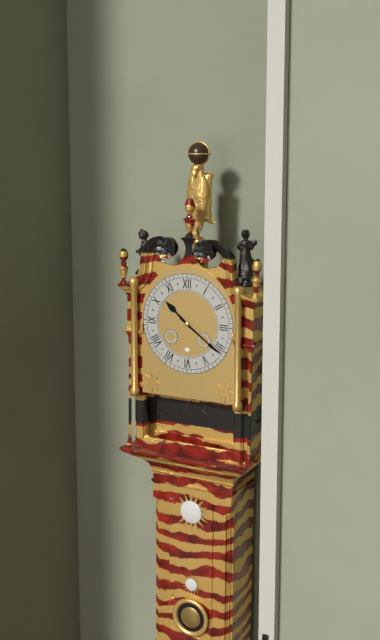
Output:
10:21
